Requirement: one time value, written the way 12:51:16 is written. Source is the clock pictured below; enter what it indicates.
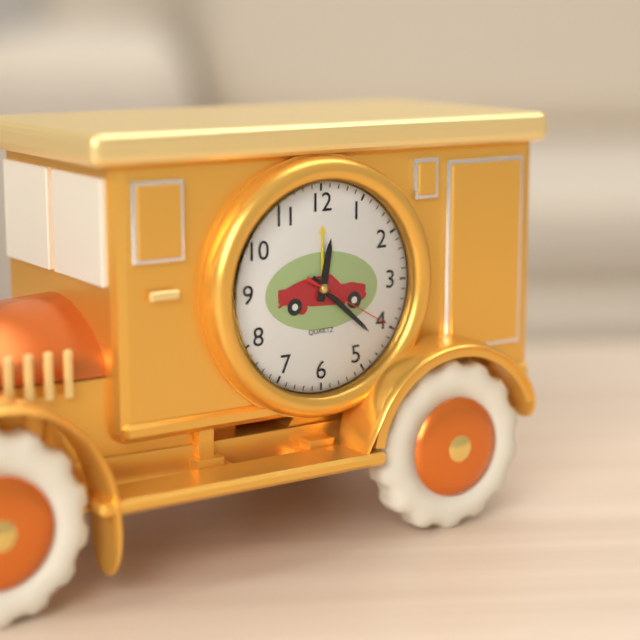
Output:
12:22:20
